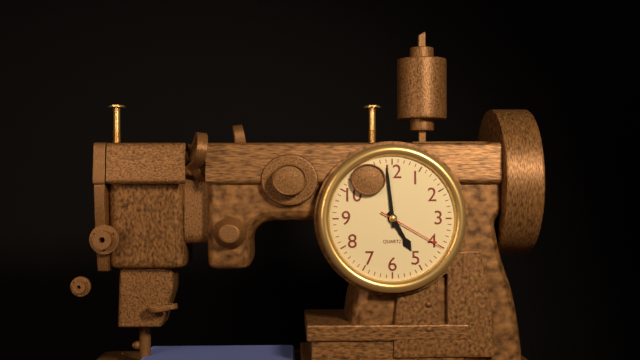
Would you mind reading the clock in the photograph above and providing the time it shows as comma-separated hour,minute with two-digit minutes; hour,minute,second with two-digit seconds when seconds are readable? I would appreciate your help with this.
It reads 4,59,20
